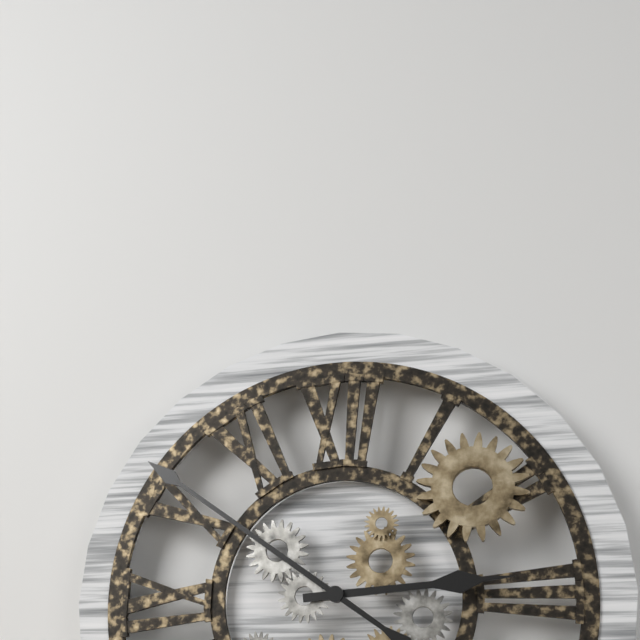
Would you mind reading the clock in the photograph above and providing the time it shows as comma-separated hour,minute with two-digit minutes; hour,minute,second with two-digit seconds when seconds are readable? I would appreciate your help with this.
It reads 2,51
